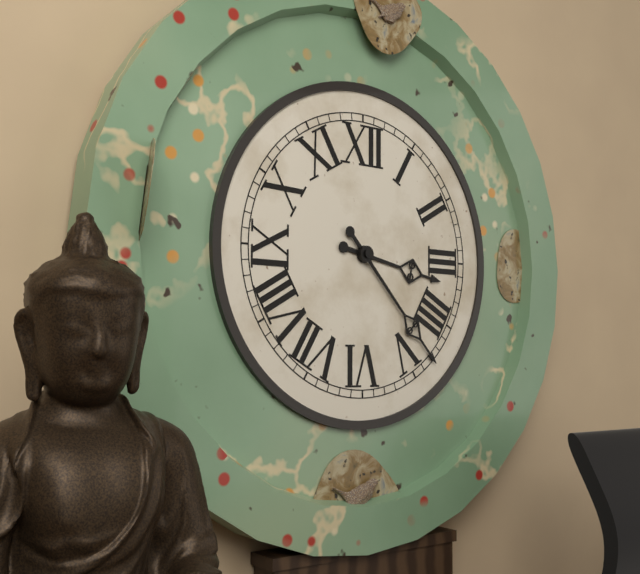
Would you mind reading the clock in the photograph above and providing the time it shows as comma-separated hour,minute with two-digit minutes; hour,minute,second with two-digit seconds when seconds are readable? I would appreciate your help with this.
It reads 3,23
